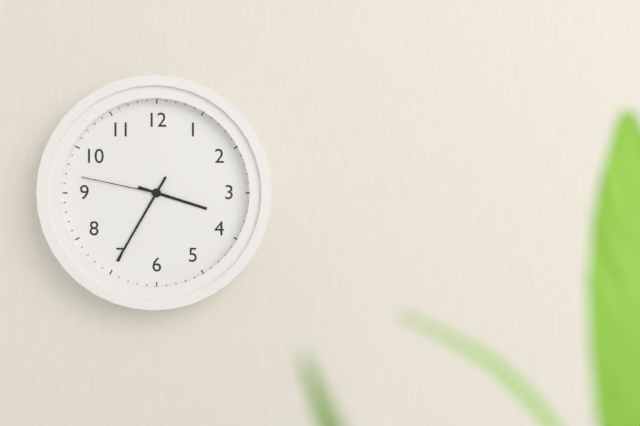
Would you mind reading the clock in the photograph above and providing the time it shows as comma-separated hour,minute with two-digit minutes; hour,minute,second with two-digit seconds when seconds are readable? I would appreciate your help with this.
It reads 3,35,47
